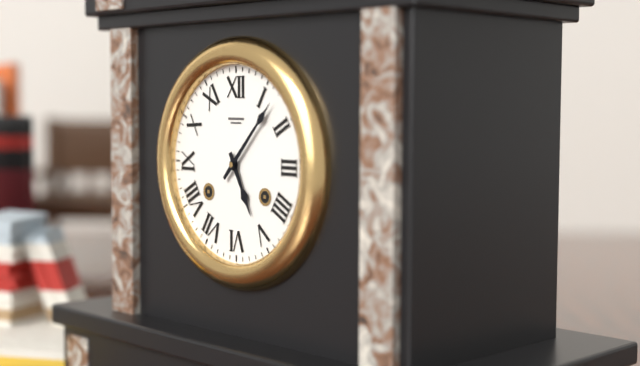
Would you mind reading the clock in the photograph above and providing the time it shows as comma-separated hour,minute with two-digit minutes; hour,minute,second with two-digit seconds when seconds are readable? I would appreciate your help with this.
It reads 5,07
